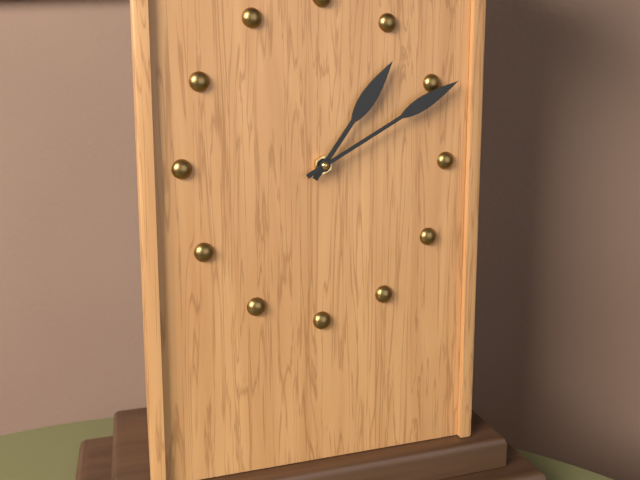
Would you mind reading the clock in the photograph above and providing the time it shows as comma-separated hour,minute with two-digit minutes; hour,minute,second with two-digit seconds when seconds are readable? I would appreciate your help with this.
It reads 1,10
